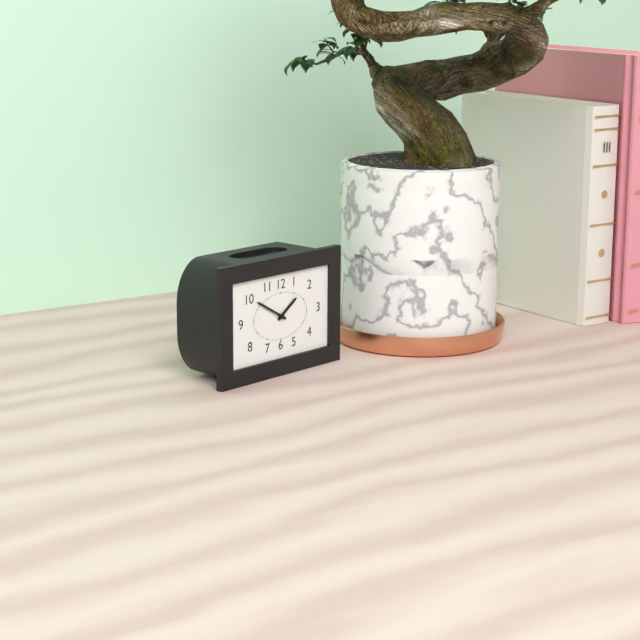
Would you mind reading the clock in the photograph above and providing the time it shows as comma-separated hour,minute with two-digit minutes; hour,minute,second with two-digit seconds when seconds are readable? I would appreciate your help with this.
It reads 1,50
